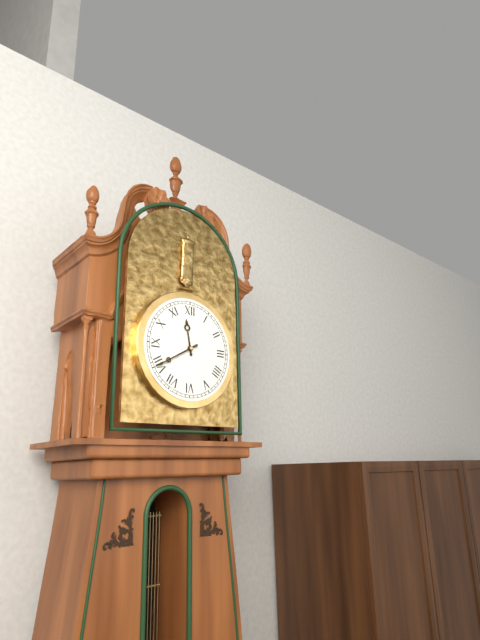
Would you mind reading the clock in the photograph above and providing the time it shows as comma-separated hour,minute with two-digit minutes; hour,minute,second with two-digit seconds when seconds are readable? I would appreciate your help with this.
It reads 11,40
